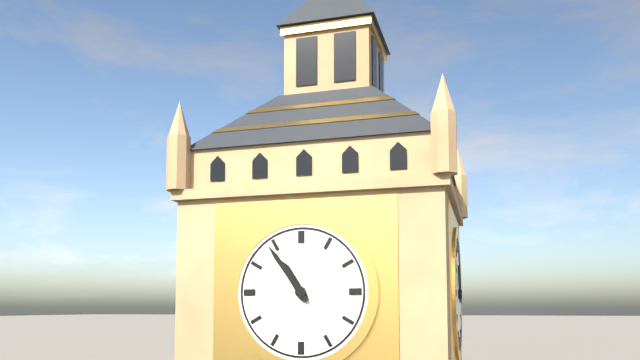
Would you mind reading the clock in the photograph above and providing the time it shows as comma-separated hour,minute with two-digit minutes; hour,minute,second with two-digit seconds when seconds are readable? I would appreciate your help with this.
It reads 10,54
